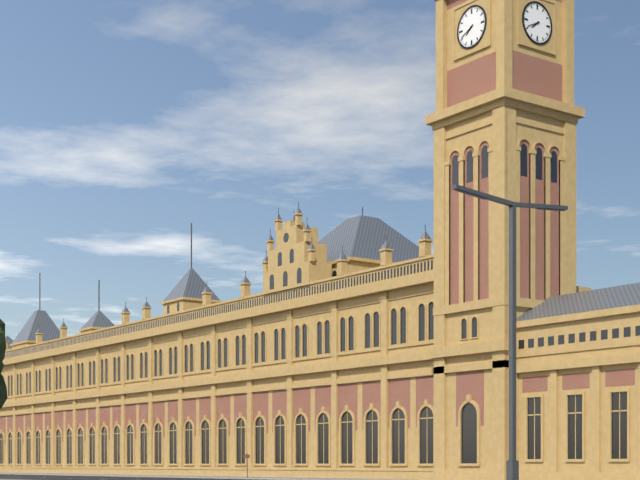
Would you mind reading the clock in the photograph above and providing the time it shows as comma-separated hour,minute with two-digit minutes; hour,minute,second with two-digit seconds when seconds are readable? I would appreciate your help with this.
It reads 7,41
